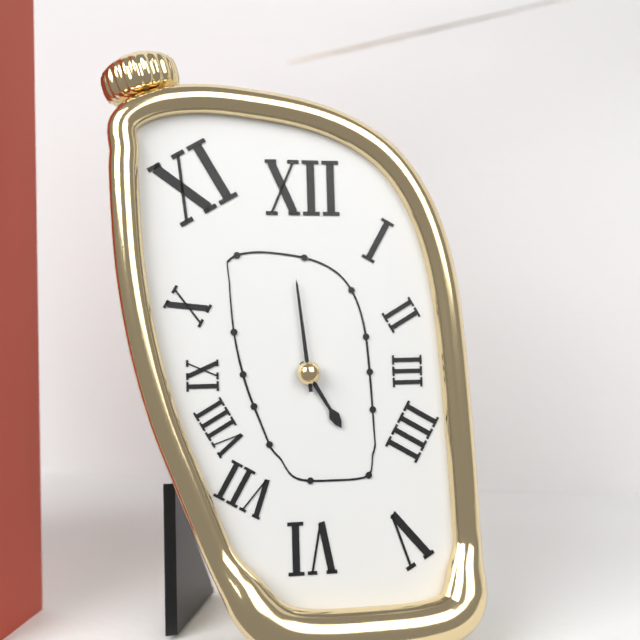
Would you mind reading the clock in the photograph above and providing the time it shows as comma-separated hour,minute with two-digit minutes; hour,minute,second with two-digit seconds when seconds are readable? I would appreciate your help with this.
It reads 4,59
